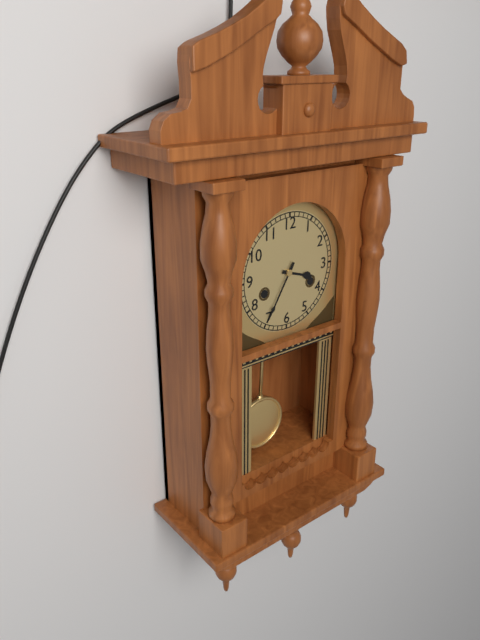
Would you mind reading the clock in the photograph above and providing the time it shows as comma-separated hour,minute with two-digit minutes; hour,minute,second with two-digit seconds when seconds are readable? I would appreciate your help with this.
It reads 3,35
